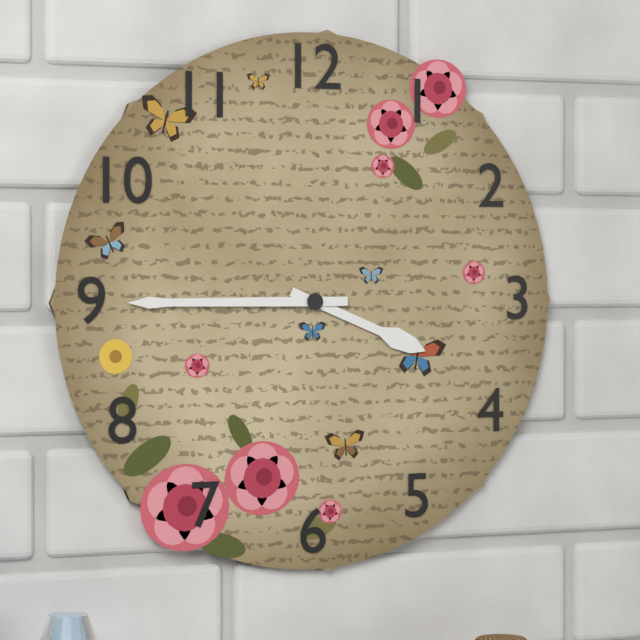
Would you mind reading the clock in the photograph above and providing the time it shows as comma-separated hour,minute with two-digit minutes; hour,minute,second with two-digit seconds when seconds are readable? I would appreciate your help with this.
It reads 3,45
